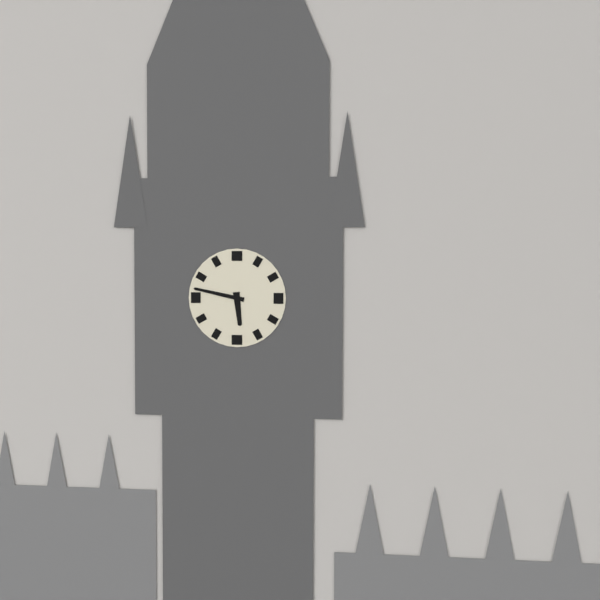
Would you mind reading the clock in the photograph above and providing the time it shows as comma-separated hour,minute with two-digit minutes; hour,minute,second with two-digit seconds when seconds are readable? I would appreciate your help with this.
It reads 5,47
